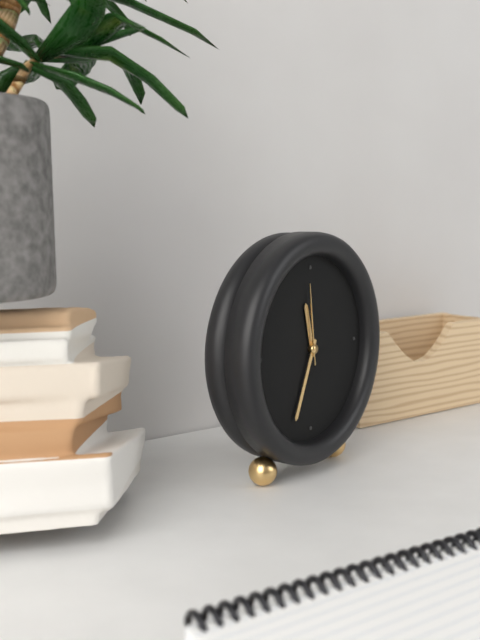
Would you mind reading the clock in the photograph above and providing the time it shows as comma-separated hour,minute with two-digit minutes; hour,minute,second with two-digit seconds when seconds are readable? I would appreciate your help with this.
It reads 11,34,59
